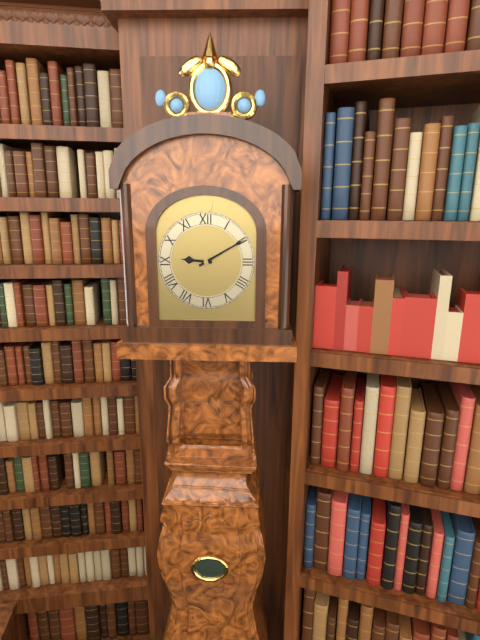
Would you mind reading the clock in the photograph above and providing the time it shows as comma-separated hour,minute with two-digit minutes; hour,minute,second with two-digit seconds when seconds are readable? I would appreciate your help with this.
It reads 9,10
